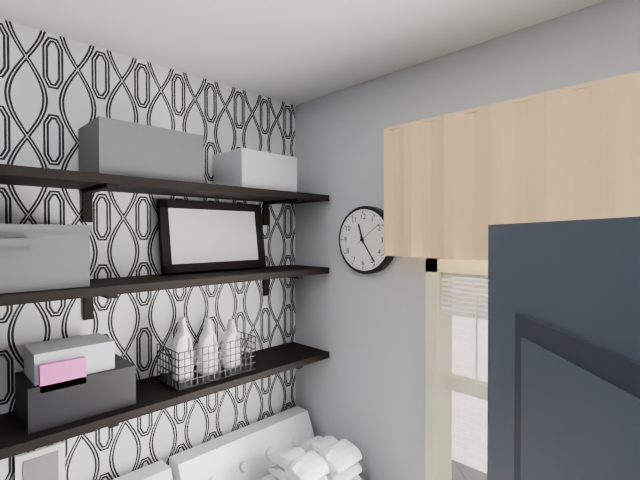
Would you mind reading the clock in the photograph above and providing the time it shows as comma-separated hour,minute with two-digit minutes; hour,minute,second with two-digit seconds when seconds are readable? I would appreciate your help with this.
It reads 11,24
